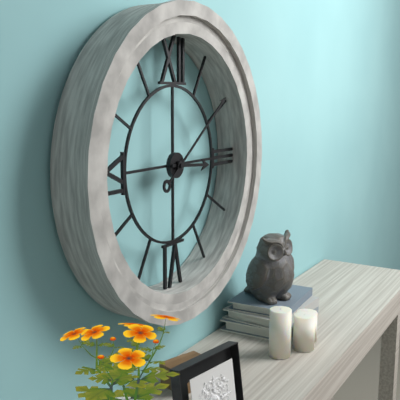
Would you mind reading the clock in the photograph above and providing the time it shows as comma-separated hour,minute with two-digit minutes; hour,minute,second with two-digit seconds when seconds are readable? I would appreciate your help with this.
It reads 3,09
